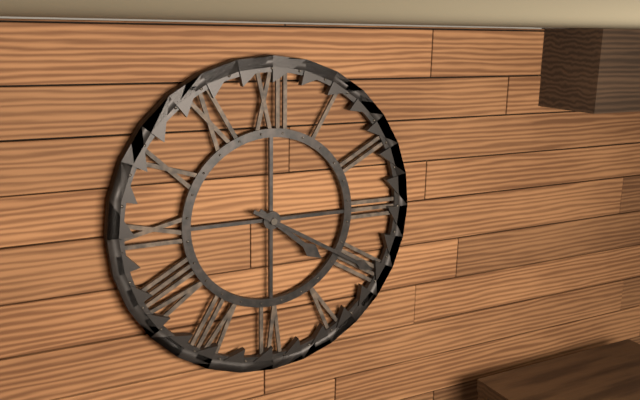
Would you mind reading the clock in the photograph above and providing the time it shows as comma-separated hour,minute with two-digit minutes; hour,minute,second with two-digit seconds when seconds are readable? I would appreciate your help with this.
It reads 4,20
